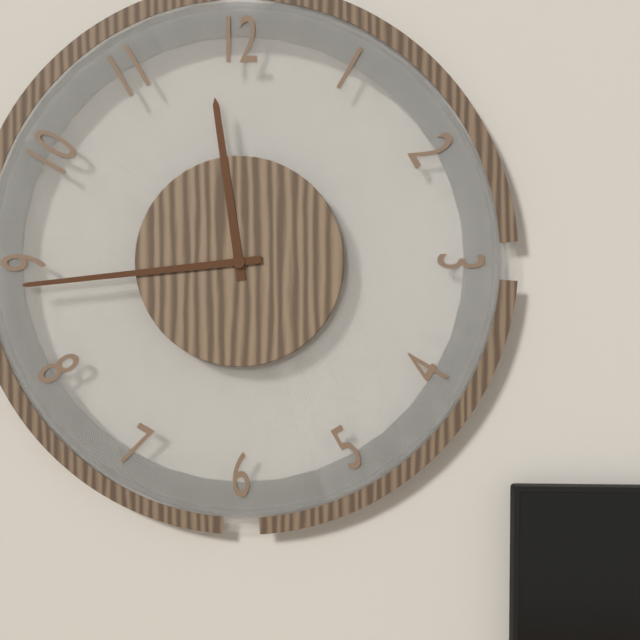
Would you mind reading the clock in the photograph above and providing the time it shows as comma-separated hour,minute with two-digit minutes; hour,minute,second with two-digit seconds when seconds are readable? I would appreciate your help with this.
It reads 11,44
